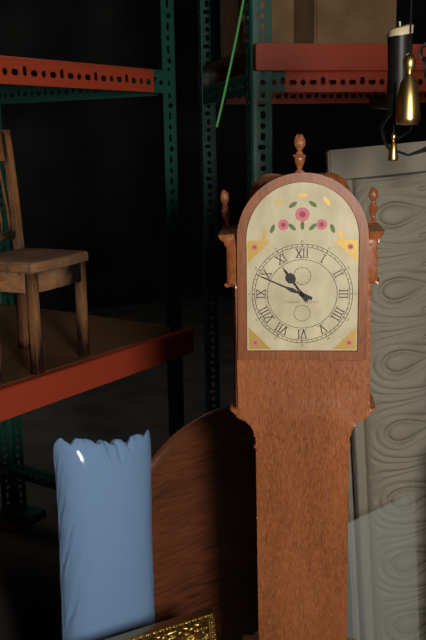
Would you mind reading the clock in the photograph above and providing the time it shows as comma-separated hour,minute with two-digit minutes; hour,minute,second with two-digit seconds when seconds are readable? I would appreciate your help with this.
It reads 10,49
